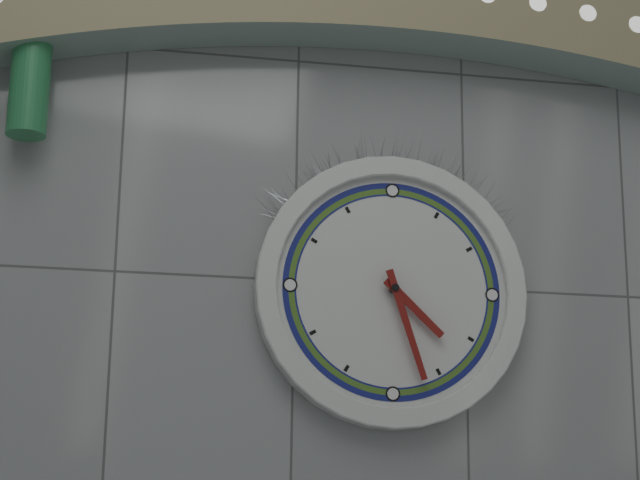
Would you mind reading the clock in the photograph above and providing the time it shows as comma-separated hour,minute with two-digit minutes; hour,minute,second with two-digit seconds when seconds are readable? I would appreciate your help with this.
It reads 4,27
